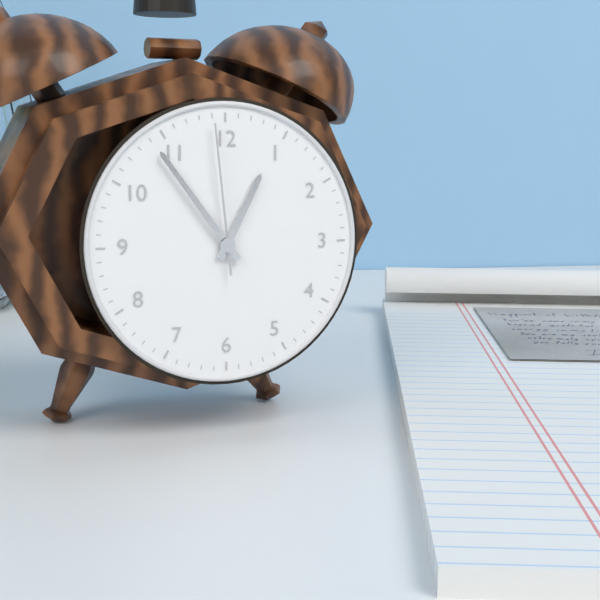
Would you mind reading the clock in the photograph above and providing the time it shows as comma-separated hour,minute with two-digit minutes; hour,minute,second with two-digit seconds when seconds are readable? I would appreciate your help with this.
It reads 12,54,59
